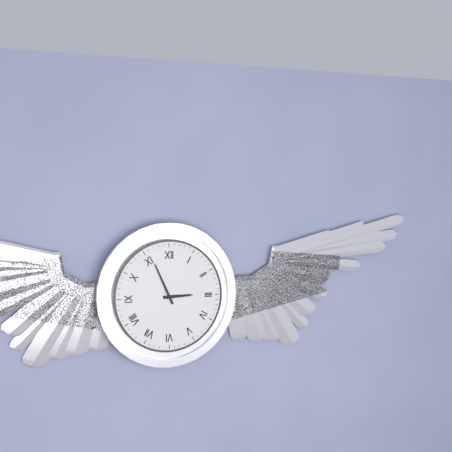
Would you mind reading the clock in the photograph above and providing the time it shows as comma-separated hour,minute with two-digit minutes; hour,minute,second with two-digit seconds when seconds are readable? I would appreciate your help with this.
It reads 2,56
